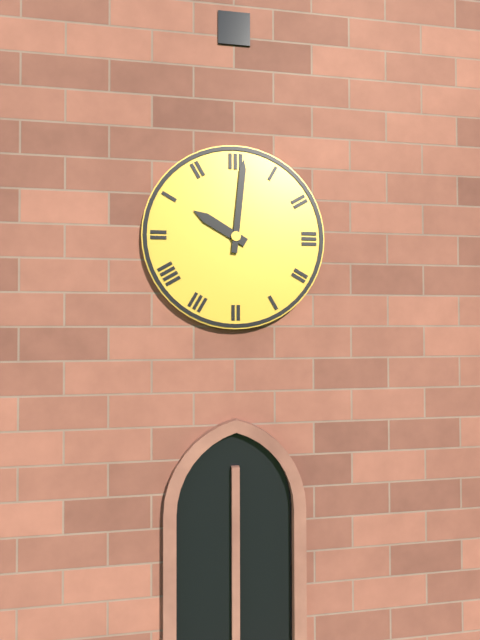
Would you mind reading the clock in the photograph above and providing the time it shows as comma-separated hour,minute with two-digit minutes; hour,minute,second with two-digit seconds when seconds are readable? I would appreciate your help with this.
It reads 10,01
